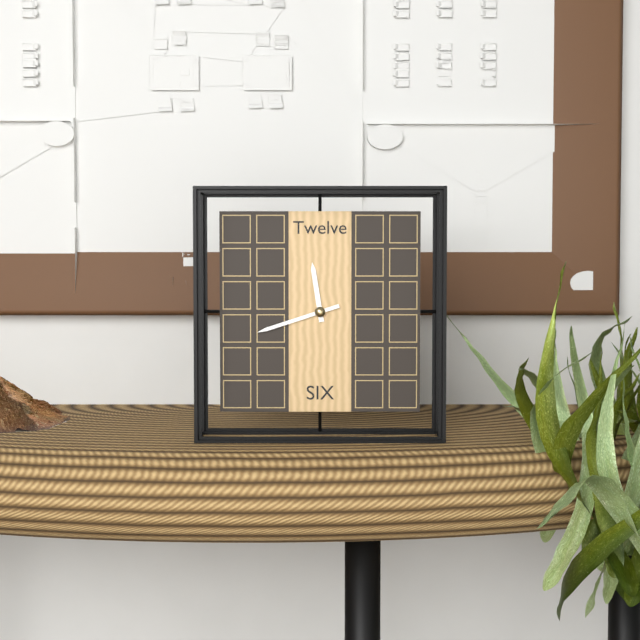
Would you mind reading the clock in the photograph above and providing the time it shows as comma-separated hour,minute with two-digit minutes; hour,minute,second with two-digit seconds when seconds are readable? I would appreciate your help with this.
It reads 11,42
